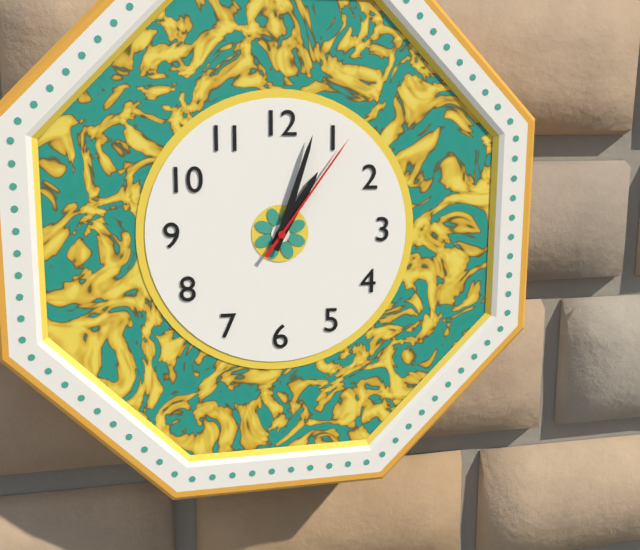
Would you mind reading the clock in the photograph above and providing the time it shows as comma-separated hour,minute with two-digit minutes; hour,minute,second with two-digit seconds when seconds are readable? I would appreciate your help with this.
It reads 1,03,06
